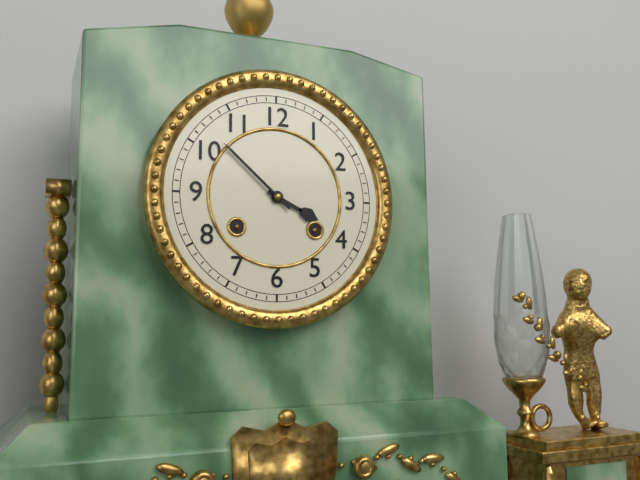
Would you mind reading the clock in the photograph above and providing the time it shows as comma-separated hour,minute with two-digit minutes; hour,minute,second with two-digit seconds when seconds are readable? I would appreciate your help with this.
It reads 3,52
